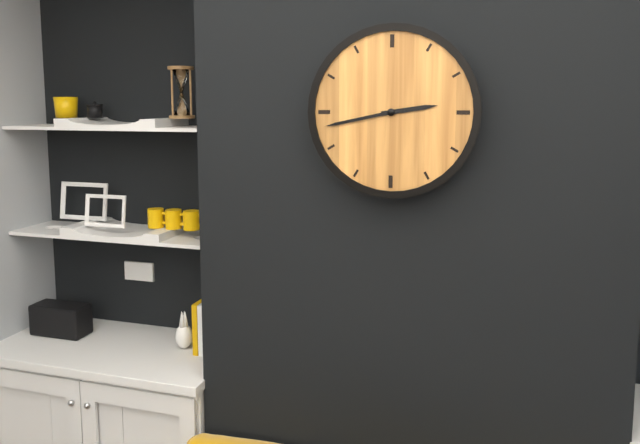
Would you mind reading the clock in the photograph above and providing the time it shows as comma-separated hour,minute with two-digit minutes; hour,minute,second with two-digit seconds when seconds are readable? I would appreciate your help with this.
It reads 2,43
